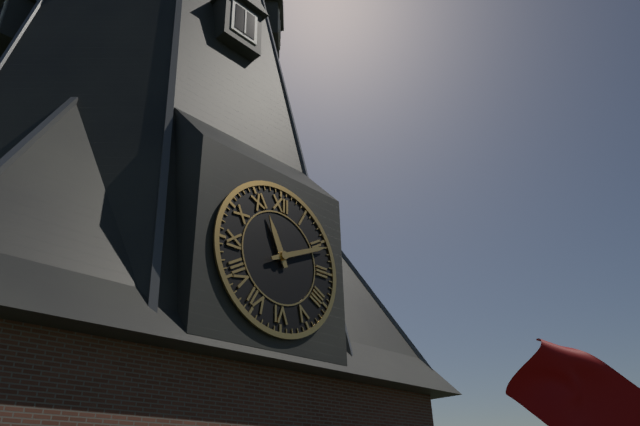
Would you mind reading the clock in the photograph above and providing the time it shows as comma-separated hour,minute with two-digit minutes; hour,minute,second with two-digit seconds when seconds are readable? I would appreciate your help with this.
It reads 11,11
